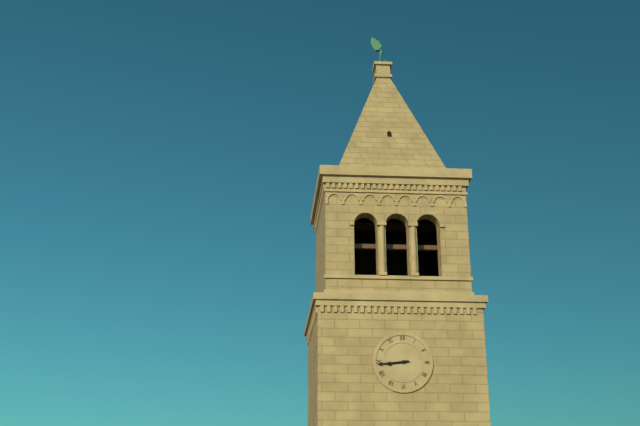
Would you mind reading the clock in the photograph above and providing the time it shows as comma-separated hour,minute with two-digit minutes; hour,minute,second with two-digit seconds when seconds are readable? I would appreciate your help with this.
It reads 8,44
